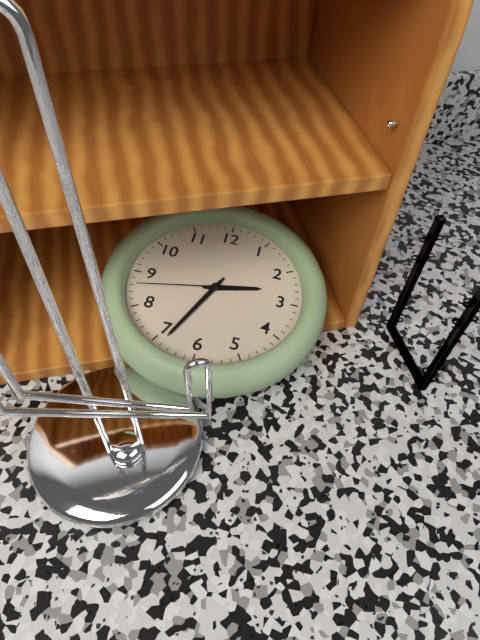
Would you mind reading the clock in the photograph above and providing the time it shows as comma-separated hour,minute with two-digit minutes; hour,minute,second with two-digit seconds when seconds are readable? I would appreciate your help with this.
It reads 2,34,43
